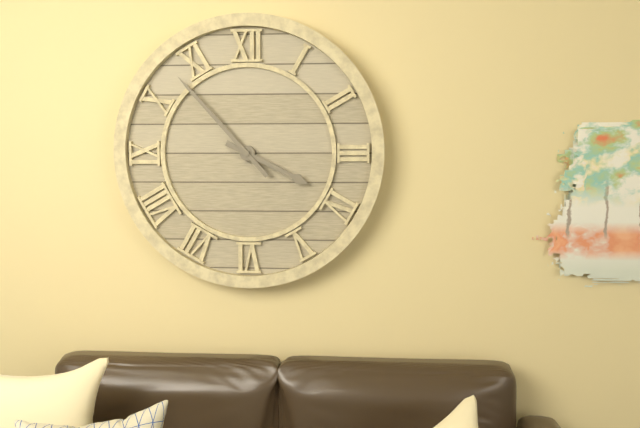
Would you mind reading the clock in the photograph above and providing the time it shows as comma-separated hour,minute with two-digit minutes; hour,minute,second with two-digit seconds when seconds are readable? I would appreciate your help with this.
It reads 3,53
